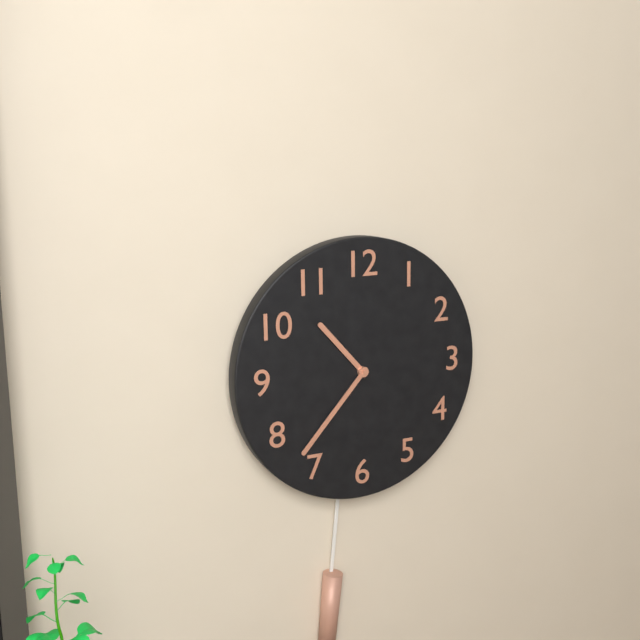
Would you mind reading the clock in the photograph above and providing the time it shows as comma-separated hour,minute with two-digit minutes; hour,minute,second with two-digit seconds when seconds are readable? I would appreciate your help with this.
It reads 10,37
